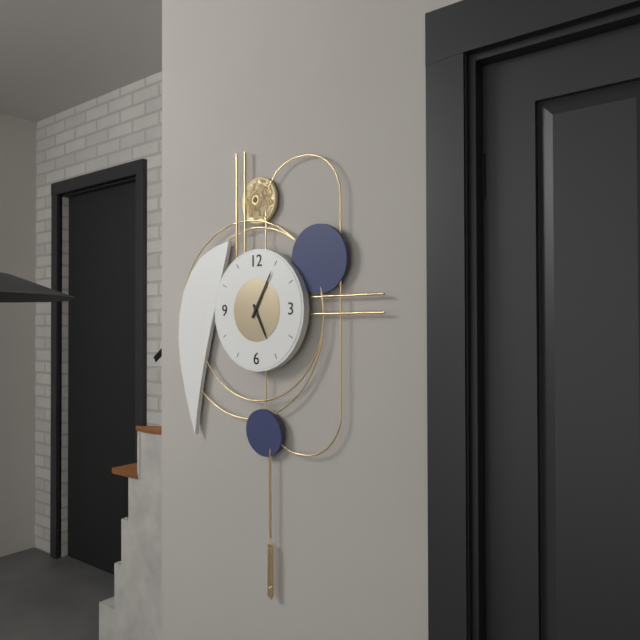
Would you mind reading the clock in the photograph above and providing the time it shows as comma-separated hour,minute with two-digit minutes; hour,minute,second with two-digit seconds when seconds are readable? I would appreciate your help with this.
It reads 5,05
